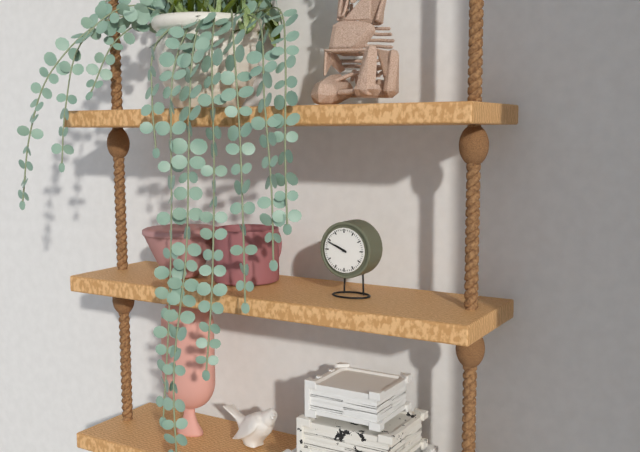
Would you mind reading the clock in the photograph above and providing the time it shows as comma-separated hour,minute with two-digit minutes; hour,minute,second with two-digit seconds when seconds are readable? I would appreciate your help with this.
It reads 9,49
